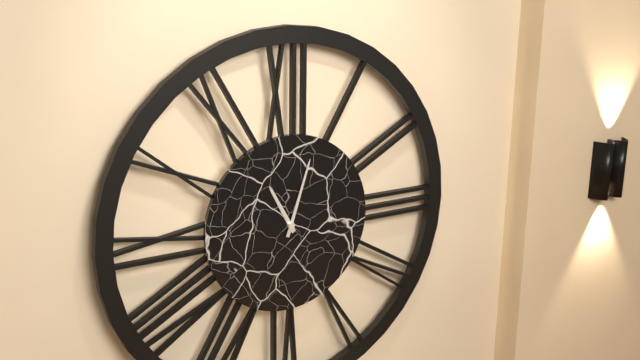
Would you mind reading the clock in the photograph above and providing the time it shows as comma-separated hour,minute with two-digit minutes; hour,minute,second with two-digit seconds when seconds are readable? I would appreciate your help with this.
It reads 11,03
